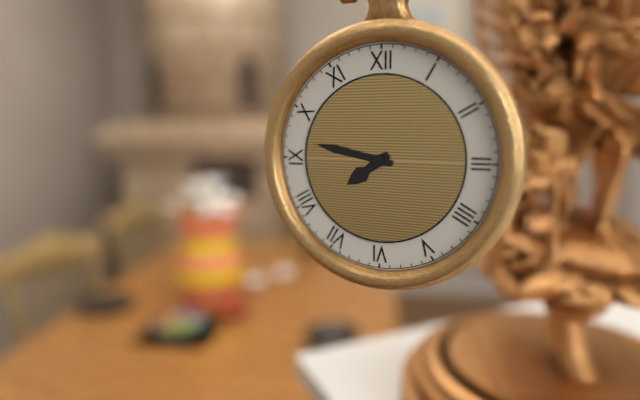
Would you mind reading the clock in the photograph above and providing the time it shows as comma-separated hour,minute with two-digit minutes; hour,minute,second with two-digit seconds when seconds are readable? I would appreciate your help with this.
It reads 7,47
